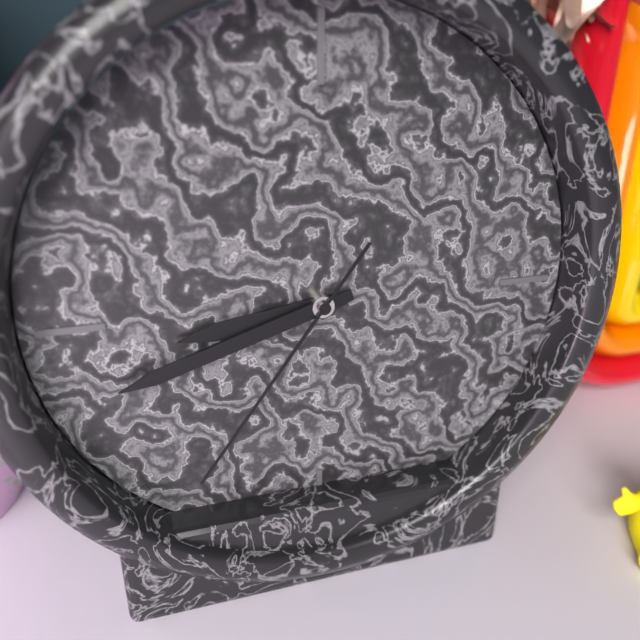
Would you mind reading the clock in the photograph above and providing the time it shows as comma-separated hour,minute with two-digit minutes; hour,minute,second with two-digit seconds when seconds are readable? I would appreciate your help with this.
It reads 8,42,36
